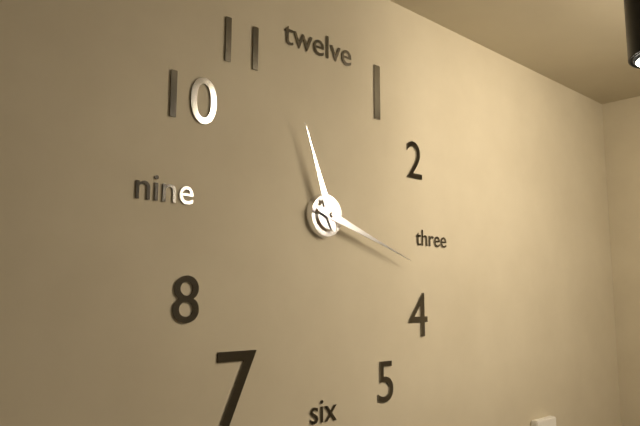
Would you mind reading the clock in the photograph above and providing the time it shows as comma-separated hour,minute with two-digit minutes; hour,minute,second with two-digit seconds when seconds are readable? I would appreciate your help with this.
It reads 11,18
